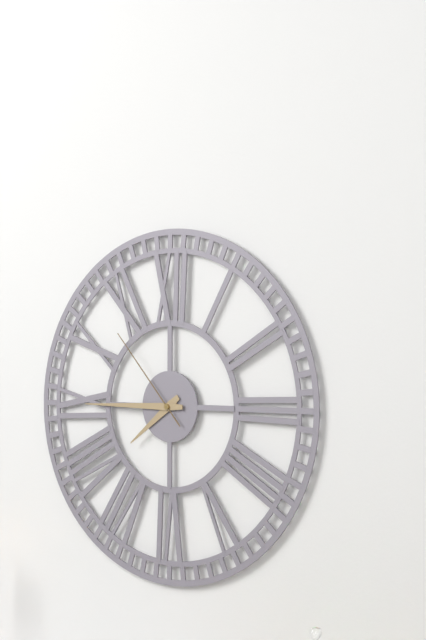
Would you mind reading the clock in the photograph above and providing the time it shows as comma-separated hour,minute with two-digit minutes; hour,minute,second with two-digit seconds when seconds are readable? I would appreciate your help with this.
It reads 7,45,53
